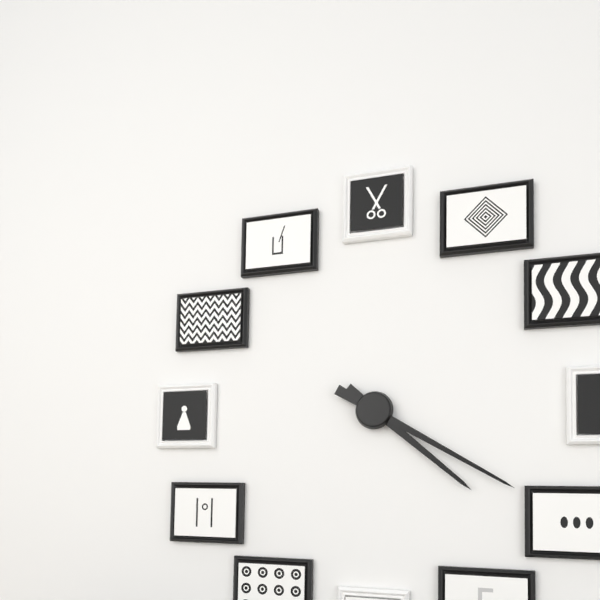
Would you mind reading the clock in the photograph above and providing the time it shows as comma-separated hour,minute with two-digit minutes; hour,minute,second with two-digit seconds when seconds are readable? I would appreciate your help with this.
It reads 4,20
